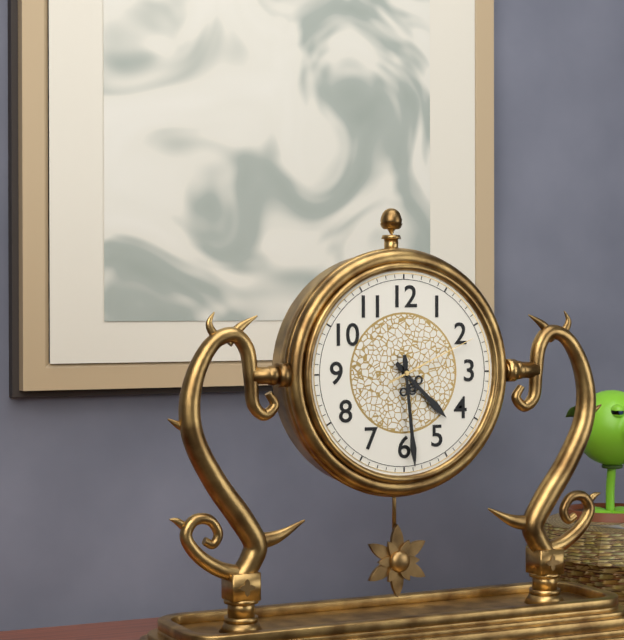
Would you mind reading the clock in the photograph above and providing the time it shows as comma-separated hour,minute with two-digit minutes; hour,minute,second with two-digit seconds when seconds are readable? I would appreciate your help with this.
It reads 4,29,11
